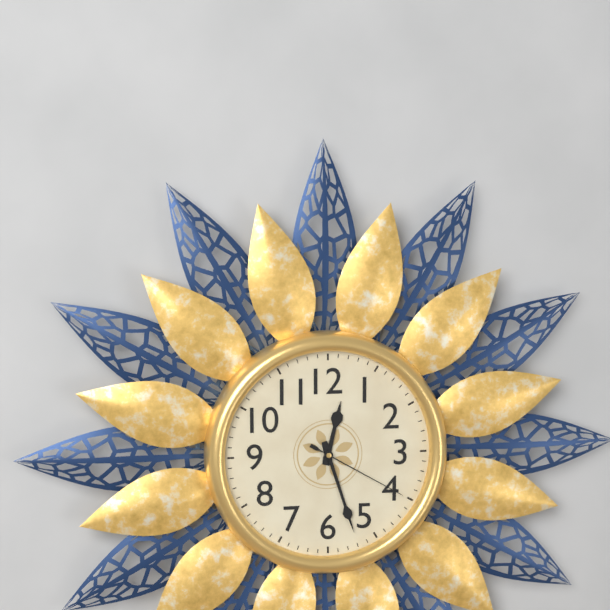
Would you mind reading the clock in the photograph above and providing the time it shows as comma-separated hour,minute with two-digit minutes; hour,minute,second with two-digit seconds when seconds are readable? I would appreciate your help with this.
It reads 12,27,20
